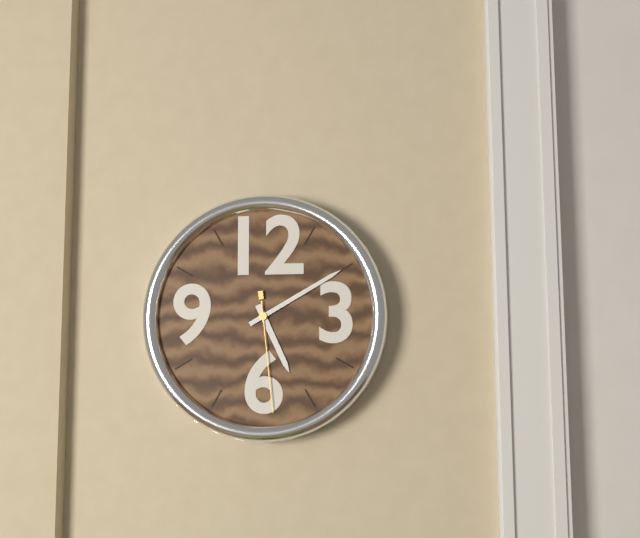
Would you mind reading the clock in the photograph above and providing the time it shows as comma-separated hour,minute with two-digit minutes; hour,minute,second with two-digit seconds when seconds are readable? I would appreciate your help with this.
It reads 5,10,29
